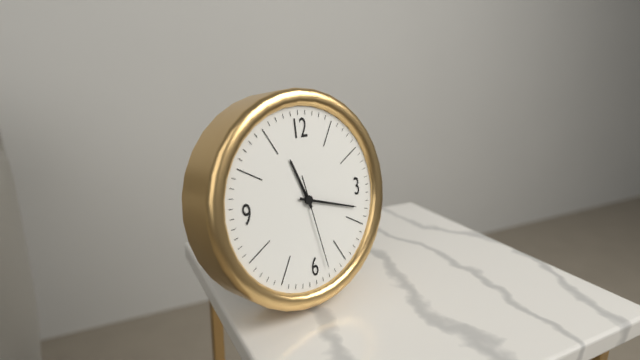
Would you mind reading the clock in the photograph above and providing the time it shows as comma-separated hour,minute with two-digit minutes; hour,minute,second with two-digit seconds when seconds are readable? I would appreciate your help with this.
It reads 11,18,28
